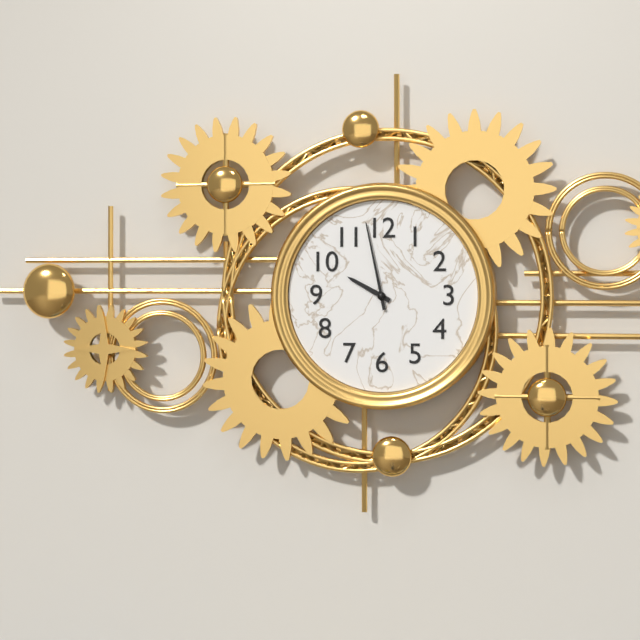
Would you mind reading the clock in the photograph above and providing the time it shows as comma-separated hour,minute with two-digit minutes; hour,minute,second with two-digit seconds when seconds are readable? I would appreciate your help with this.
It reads 9,58
